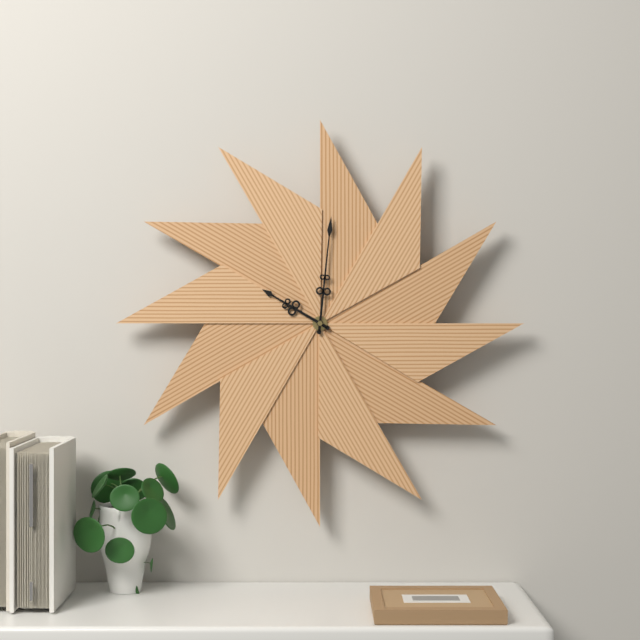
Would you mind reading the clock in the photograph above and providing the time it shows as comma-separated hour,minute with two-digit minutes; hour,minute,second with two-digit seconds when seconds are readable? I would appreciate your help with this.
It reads 10,01
